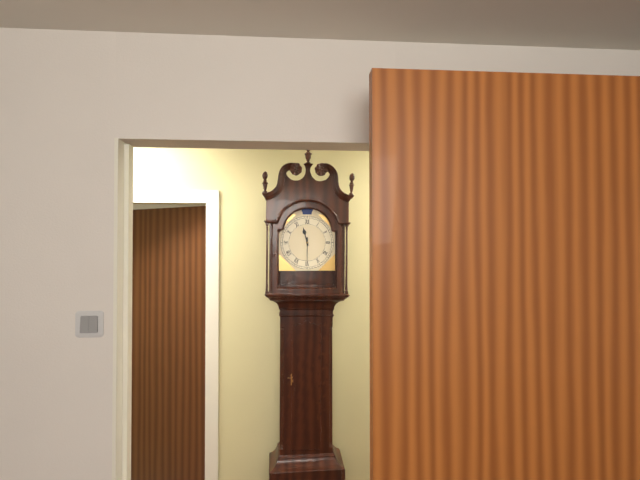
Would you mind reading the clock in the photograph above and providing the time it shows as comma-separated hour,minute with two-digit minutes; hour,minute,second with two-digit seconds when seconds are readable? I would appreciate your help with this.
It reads 11,30
